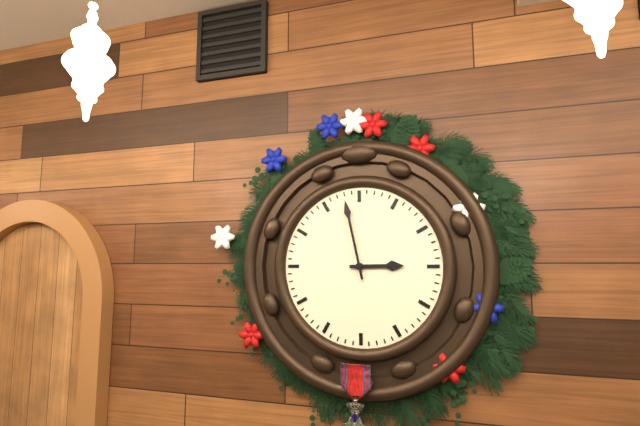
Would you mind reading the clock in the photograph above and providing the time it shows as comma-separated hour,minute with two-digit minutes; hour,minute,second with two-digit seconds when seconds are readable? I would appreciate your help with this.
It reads 2,58
